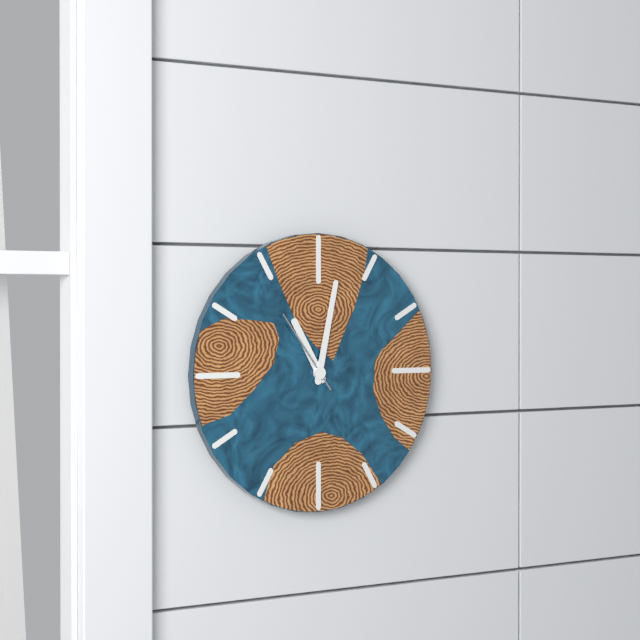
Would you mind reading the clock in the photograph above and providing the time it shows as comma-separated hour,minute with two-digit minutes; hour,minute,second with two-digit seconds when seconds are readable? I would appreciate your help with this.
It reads 11,02,54
